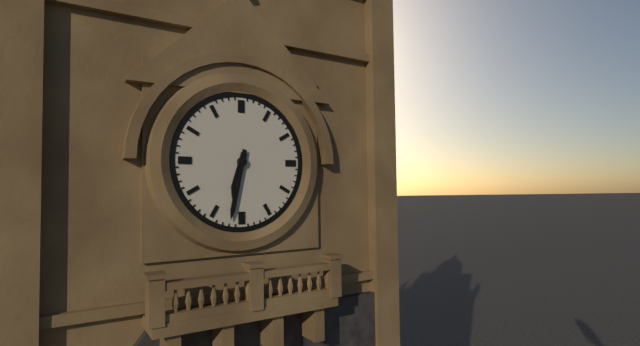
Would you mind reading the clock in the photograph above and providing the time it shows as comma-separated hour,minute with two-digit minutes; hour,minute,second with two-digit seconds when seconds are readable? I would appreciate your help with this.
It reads 6,32
